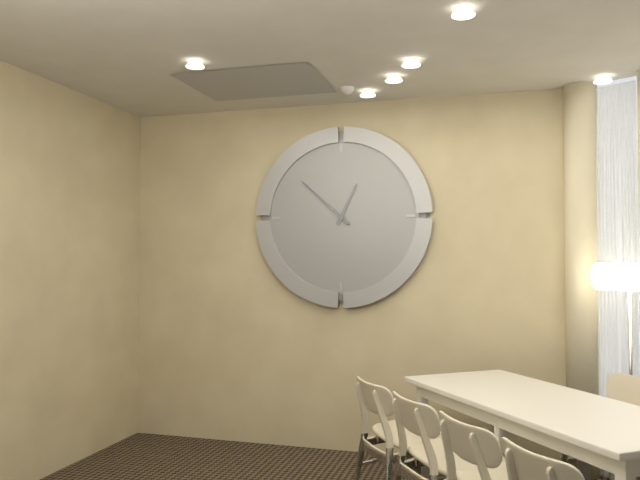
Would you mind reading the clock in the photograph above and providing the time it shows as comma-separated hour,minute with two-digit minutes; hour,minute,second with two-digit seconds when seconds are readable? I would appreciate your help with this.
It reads 12,52
